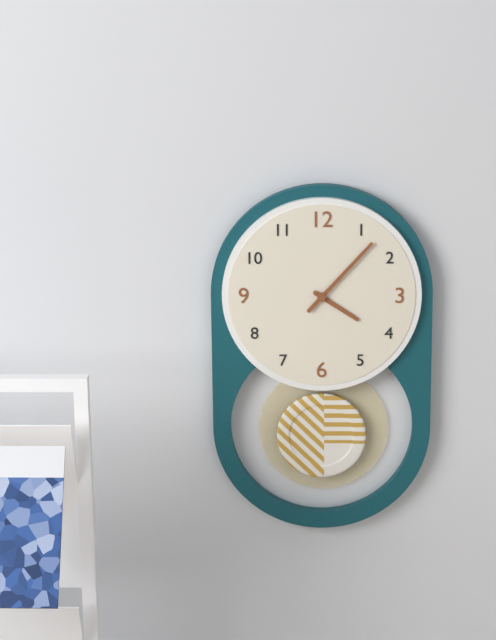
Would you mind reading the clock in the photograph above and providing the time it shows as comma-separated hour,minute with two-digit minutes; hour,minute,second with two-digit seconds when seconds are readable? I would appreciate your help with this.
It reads 4,07
